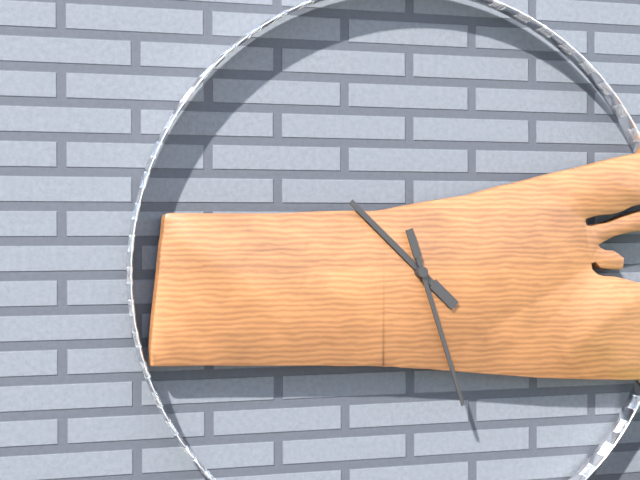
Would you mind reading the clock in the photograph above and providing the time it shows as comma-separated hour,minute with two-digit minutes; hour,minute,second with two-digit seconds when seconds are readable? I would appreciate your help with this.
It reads 10,27
